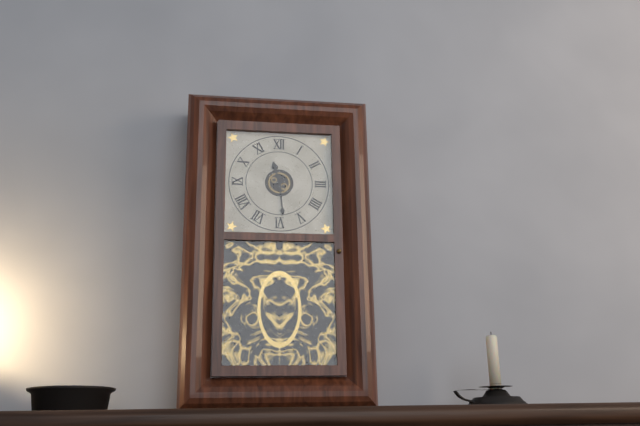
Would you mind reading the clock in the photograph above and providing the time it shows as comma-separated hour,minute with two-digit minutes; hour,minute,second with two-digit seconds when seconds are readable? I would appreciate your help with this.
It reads 11,29
